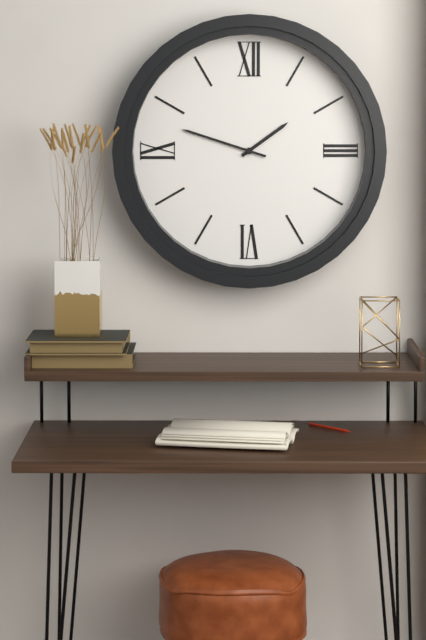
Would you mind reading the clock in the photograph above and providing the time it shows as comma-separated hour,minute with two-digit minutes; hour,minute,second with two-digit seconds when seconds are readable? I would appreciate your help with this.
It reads 1,48
